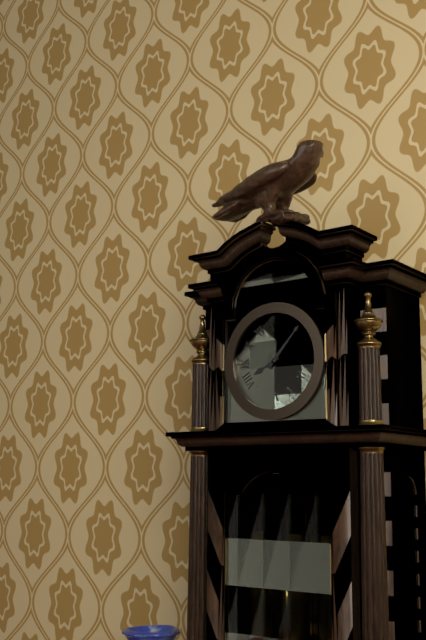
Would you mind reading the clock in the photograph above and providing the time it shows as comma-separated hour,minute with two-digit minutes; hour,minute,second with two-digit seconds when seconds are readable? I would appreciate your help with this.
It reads 8,07
